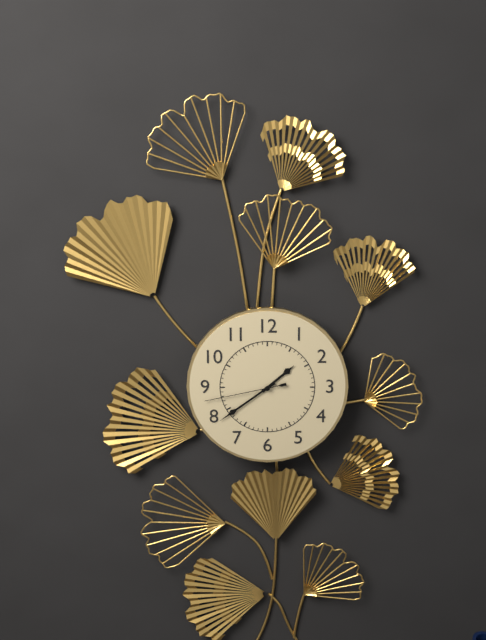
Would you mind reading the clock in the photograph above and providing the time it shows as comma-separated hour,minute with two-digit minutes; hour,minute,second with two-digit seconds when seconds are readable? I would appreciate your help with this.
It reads 1,39,43
